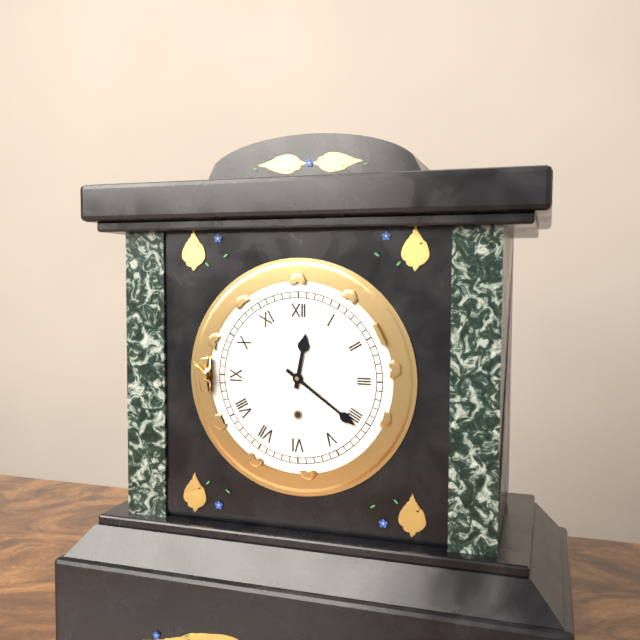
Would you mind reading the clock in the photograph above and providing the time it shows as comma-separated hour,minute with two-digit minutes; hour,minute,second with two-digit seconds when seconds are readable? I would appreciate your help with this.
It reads 12,21
